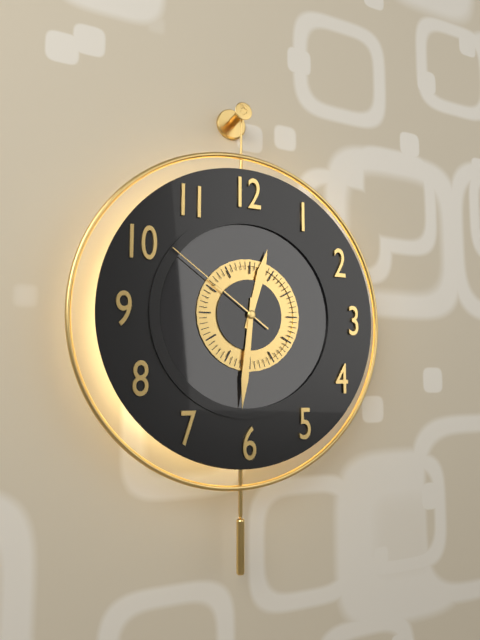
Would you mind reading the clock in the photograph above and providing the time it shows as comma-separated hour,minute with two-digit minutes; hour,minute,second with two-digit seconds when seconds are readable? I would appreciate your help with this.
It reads 12,31,51
